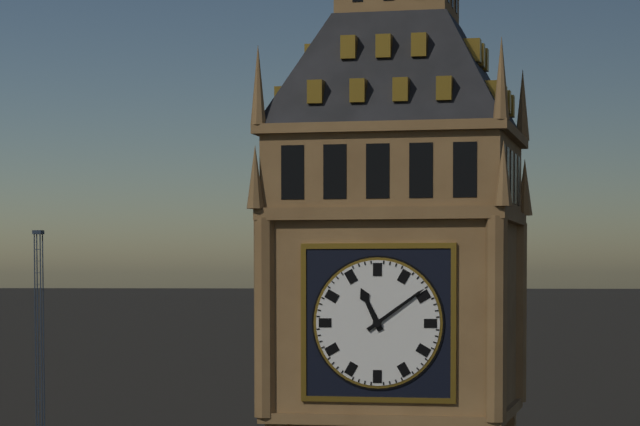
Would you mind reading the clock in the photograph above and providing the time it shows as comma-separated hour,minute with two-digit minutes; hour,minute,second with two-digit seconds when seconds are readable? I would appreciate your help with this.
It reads 11,09
